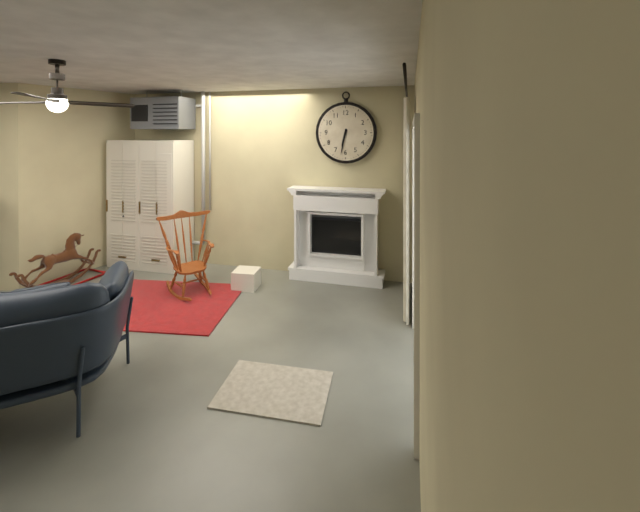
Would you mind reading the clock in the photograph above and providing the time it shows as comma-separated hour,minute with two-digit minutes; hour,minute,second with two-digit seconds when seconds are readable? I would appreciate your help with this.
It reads 6,32
